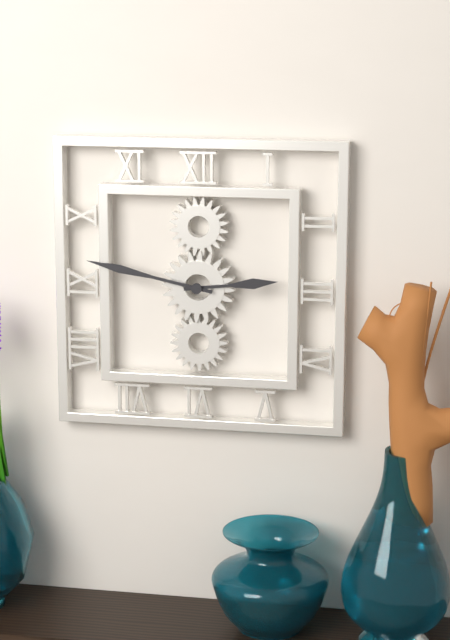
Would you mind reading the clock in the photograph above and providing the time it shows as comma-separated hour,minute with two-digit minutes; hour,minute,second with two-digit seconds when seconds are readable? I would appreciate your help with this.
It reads 2,47
